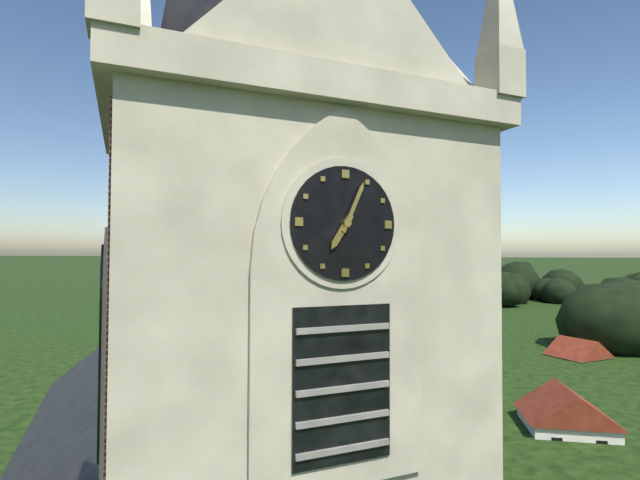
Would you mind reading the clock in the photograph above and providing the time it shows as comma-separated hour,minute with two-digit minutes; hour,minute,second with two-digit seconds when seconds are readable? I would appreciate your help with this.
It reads 7,04
